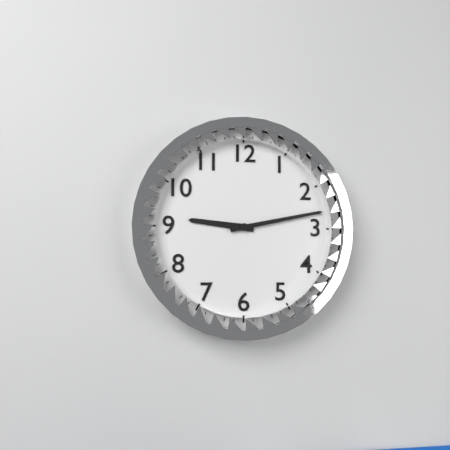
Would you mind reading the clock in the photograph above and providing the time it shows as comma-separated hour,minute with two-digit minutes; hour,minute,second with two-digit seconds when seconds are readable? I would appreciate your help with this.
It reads 9,13
